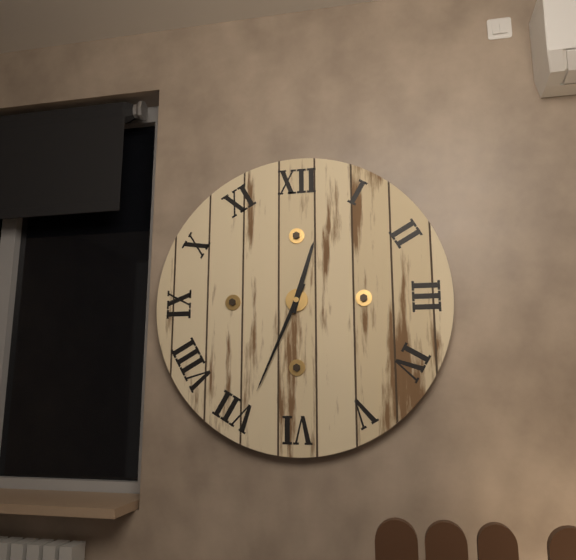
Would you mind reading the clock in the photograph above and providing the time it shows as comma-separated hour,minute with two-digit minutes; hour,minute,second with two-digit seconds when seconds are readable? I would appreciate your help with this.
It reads 12,34
